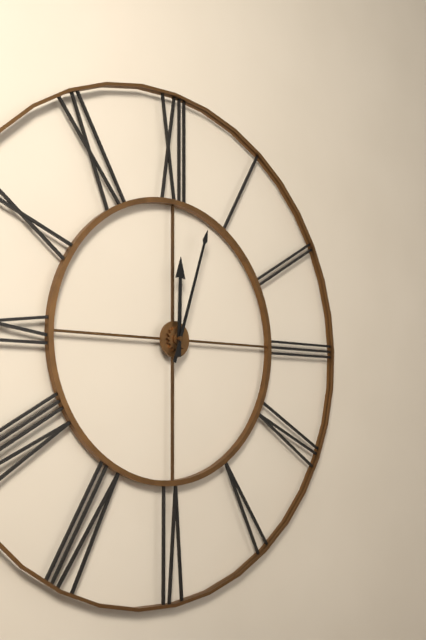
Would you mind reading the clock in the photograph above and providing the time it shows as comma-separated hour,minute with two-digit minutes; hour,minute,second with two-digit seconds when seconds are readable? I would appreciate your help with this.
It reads 12,03
